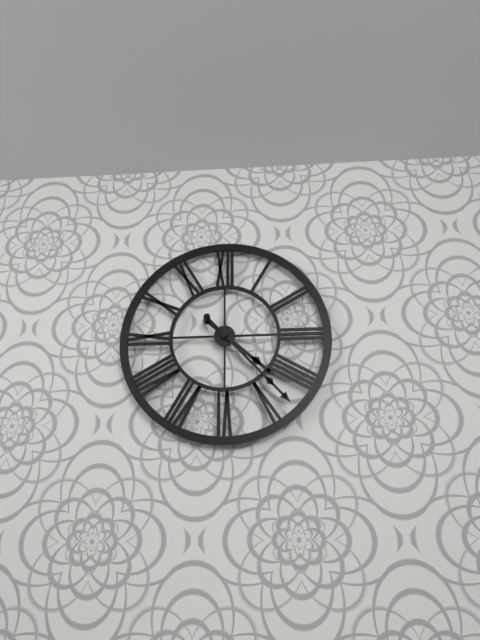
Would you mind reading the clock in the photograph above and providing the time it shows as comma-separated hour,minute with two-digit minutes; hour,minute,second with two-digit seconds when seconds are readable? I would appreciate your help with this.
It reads 4,23
